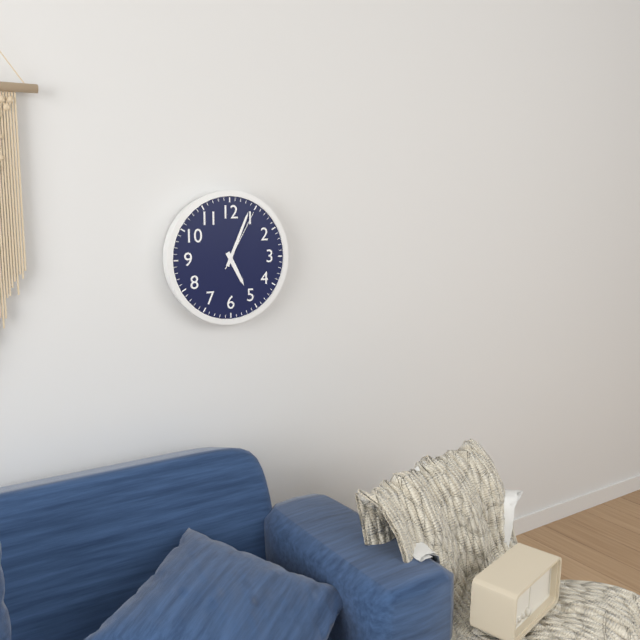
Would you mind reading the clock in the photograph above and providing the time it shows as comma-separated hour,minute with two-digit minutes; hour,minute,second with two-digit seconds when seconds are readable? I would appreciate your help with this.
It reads 5,04,05
